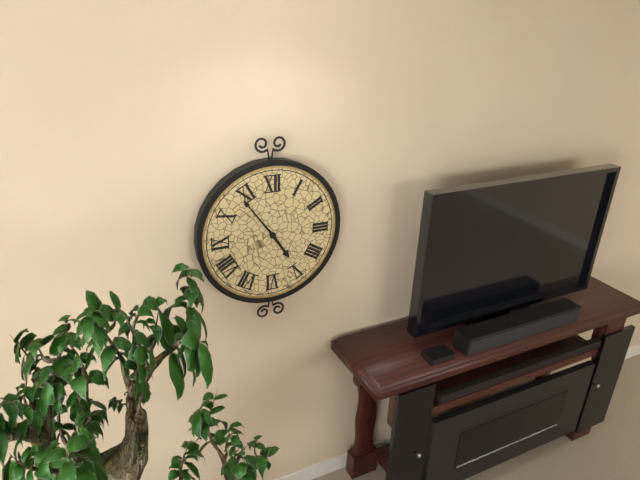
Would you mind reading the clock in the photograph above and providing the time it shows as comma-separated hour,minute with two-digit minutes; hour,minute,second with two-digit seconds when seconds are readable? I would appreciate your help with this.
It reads 4,54
